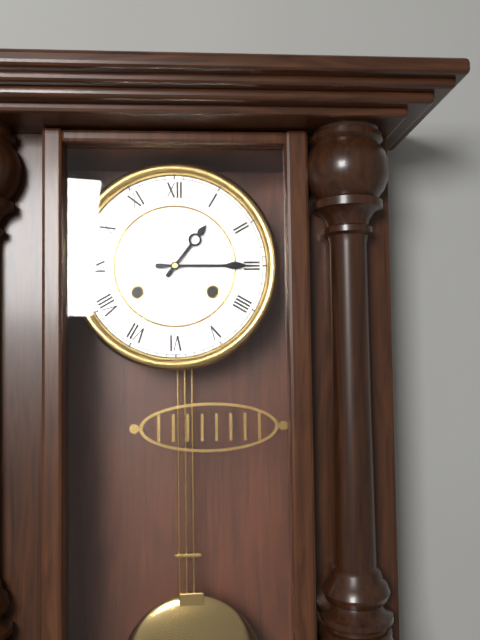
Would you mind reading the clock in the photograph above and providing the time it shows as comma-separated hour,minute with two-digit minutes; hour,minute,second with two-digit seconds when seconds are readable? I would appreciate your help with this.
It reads 1,15
